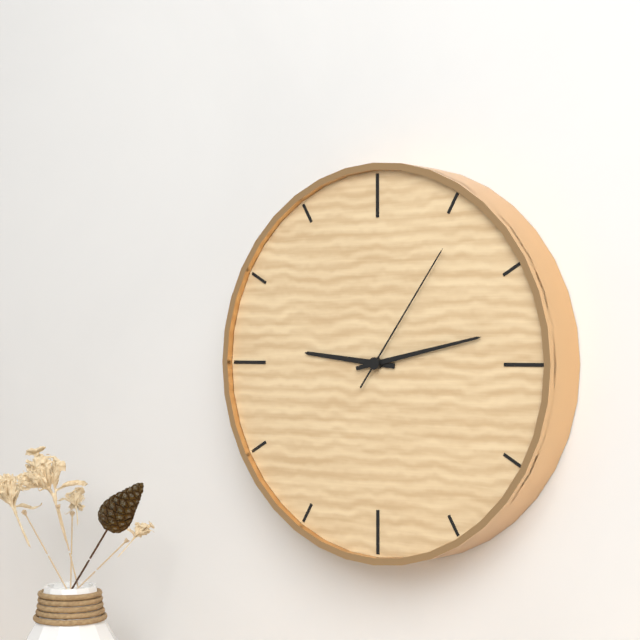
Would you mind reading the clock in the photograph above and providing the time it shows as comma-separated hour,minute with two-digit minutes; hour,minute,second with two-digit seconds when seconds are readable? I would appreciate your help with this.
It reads 9,13,06
